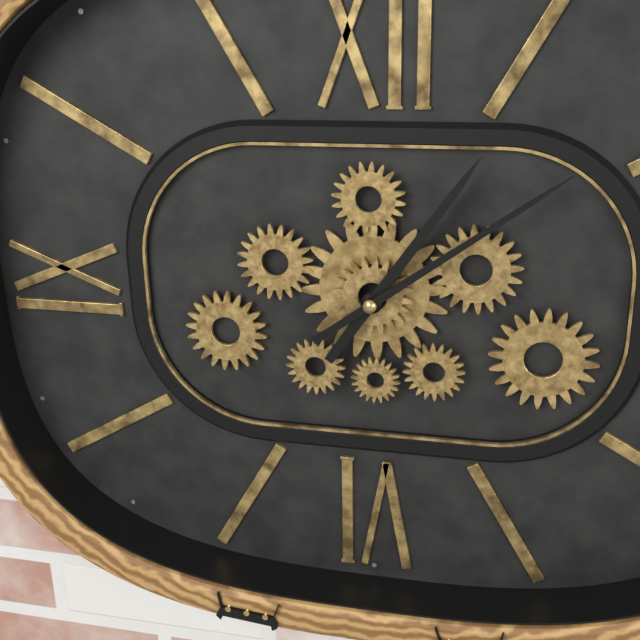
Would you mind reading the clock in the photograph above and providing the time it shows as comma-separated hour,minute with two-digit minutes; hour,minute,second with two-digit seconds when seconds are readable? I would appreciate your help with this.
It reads 1,09
